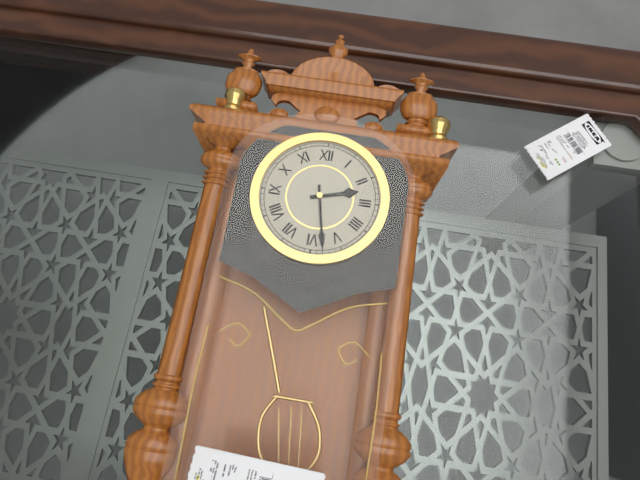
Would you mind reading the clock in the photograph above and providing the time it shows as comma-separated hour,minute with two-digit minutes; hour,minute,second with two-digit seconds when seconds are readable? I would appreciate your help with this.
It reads 2,28
